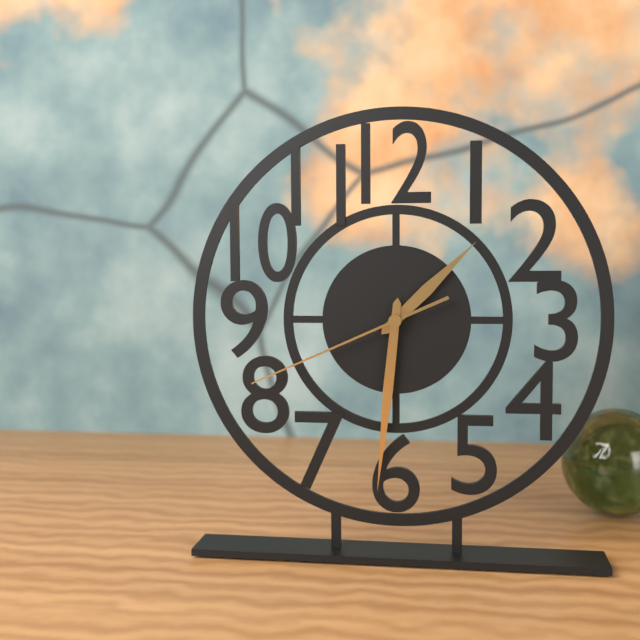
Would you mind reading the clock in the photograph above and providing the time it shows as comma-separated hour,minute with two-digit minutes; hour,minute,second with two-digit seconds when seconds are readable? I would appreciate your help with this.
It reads 1,31,41
